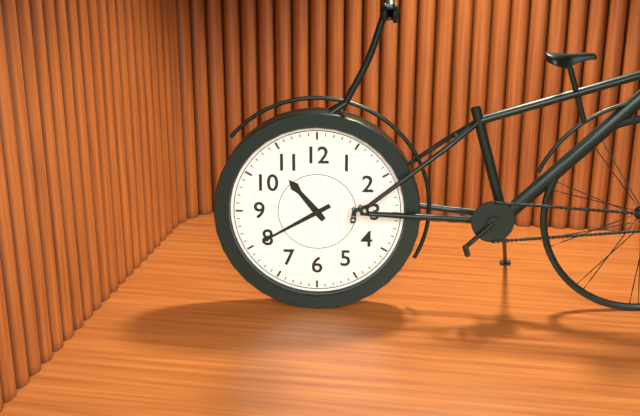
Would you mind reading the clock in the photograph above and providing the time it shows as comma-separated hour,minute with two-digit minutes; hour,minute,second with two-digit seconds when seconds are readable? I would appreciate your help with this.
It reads 10,40
